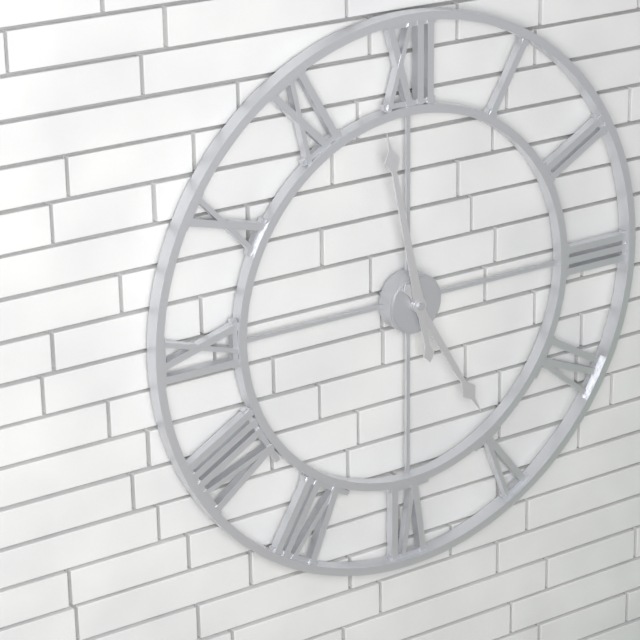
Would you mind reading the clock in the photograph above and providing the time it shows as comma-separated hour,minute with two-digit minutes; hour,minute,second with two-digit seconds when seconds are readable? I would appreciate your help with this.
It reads 4,58
